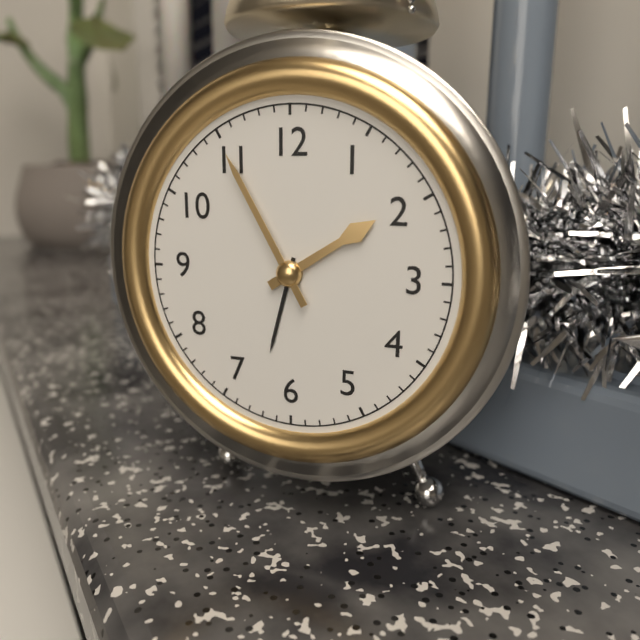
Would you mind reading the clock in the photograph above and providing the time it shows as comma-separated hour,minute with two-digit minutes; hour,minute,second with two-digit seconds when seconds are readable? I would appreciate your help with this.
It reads 1,55
